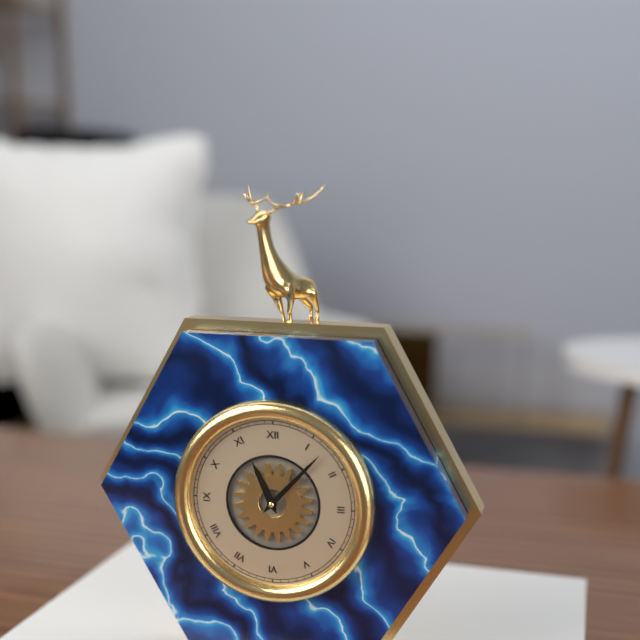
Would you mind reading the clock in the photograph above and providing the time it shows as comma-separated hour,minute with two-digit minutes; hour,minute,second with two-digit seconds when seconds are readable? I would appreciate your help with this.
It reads 11,07
